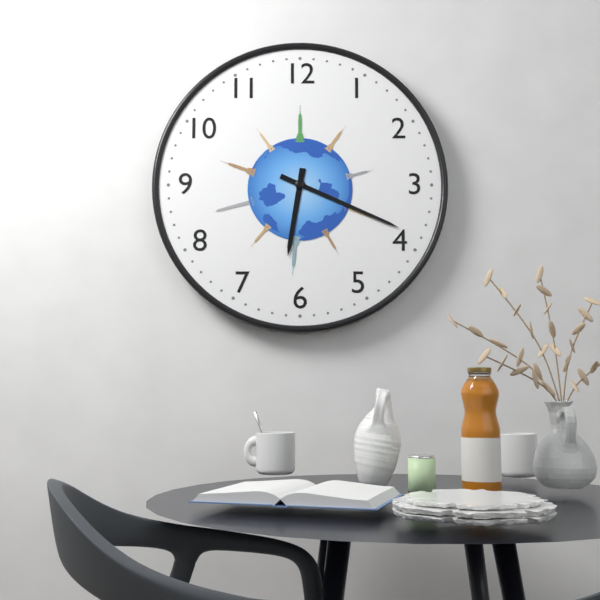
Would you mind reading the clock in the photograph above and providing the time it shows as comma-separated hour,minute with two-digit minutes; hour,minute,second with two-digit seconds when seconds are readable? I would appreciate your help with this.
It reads 6,19
